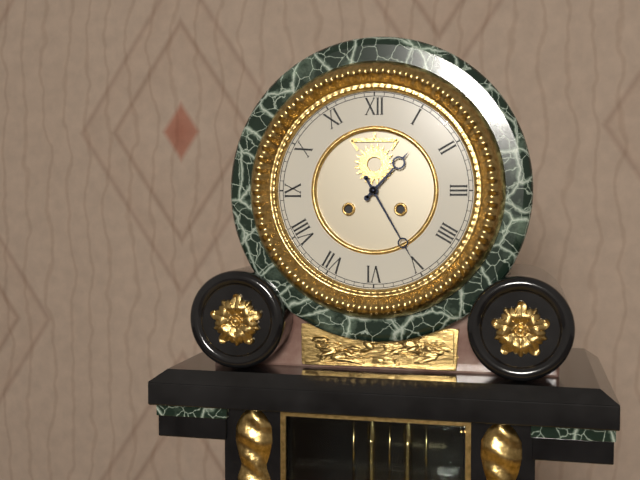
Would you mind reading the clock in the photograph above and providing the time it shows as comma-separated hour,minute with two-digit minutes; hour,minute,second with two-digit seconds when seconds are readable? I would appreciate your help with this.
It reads 1,25
